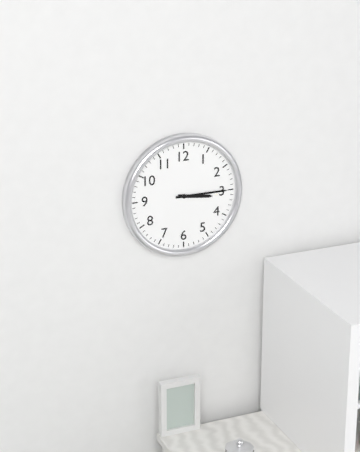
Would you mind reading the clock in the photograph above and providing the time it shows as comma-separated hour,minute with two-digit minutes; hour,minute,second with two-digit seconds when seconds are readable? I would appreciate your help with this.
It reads 3,15
